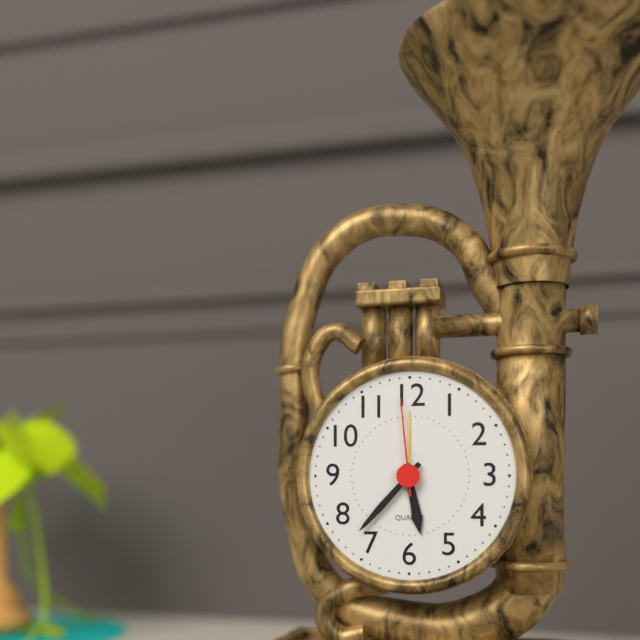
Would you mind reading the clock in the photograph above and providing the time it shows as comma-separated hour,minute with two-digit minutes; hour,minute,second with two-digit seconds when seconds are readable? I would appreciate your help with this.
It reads 5,37,59
